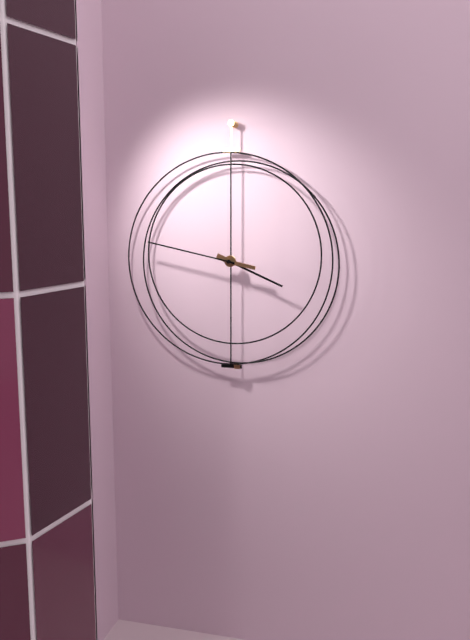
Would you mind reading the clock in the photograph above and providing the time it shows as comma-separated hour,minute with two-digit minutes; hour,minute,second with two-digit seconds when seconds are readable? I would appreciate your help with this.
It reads 3,47
